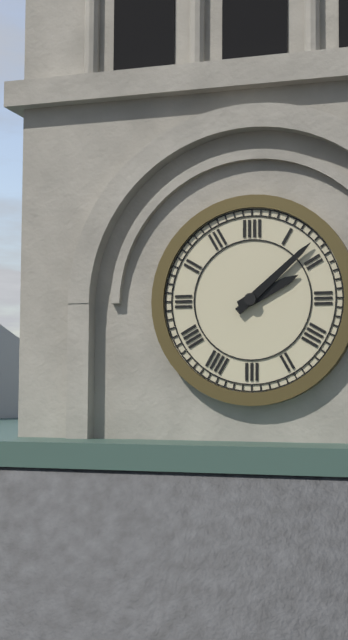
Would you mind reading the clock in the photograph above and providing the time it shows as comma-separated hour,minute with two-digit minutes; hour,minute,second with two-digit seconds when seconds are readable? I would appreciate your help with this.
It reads 2,08
